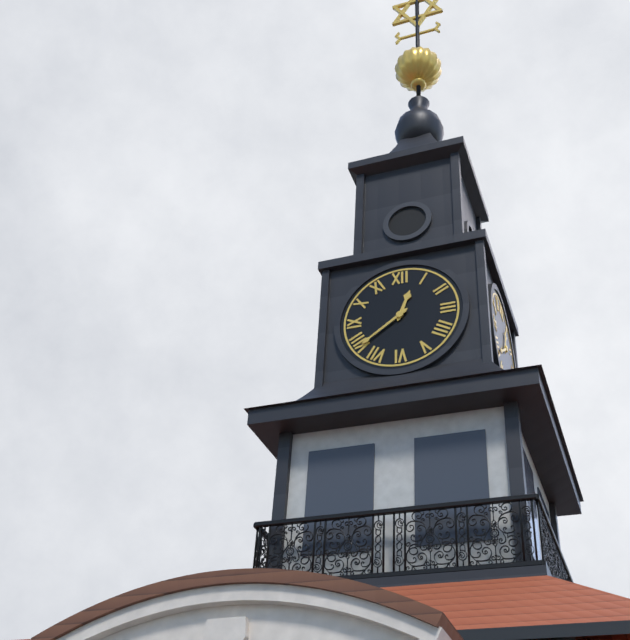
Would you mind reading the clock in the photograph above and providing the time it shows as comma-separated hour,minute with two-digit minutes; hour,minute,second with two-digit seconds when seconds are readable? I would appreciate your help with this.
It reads 12,39
